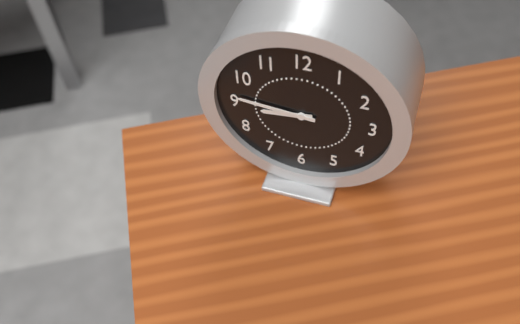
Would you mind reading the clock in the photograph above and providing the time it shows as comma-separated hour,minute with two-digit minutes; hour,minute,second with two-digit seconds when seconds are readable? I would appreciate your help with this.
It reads 8,46
